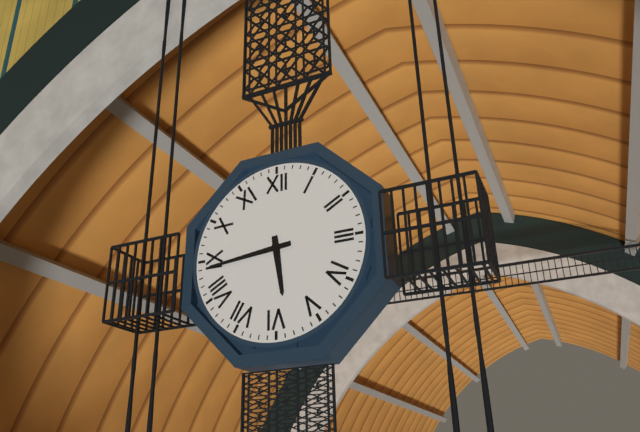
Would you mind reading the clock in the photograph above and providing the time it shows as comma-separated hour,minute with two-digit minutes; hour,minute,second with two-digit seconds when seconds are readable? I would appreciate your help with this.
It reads 5,44
